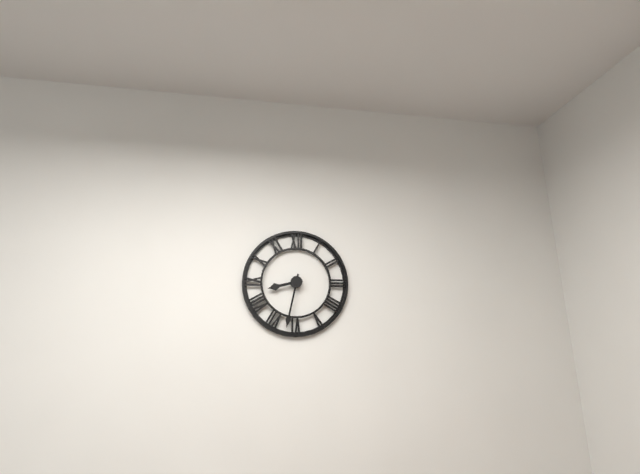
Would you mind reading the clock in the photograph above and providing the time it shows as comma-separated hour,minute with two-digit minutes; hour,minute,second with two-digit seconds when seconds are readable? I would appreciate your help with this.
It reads 8,32
